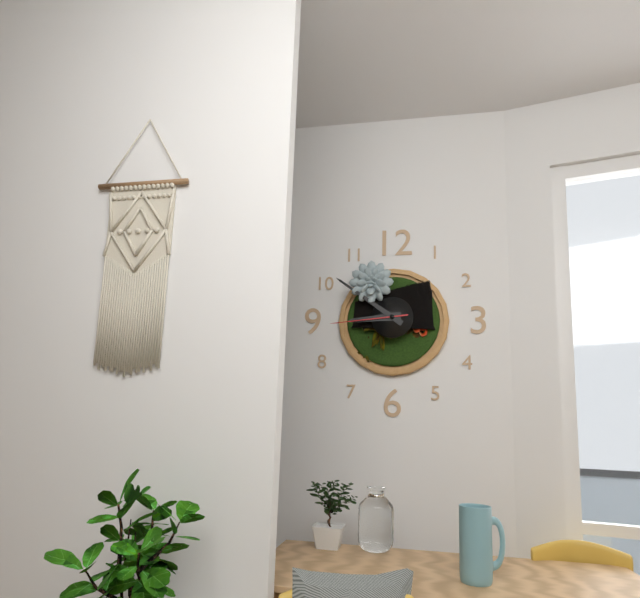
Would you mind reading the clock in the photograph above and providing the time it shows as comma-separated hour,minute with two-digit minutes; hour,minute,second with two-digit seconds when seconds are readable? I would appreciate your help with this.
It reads 8,51,44
